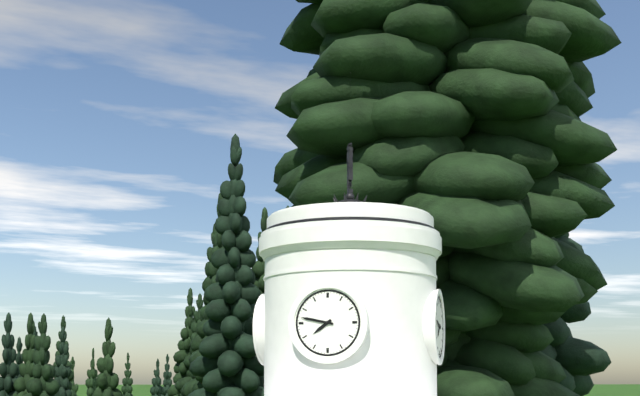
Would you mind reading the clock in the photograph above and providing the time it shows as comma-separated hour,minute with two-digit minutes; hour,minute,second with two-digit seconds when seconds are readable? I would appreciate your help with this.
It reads 7,47
